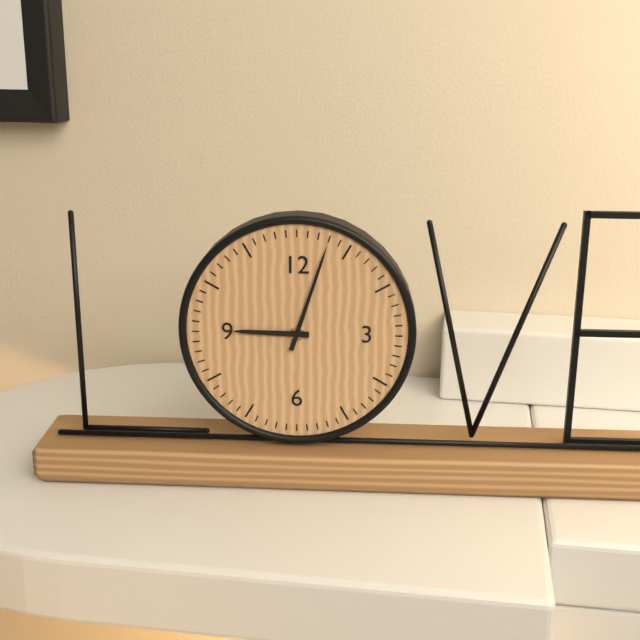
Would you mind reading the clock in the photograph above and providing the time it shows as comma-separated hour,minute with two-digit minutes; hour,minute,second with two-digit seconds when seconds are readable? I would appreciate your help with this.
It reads 9,03
